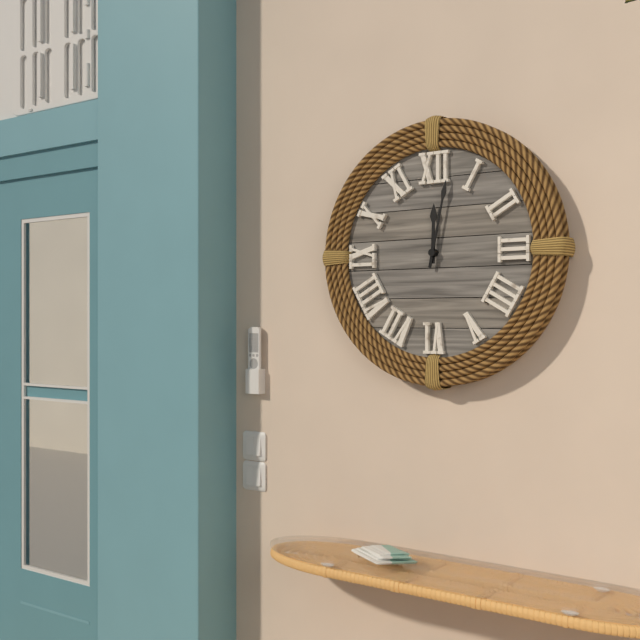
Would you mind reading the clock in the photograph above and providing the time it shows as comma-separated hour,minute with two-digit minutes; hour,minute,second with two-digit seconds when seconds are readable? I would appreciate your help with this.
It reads 12,02
